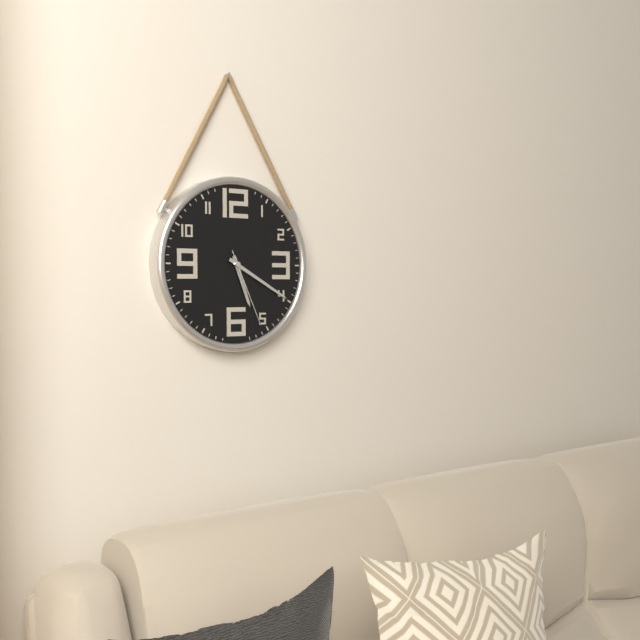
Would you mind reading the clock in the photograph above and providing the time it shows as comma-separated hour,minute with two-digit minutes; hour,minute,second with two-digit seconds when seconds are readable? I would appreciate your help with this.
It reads 5,20,26
